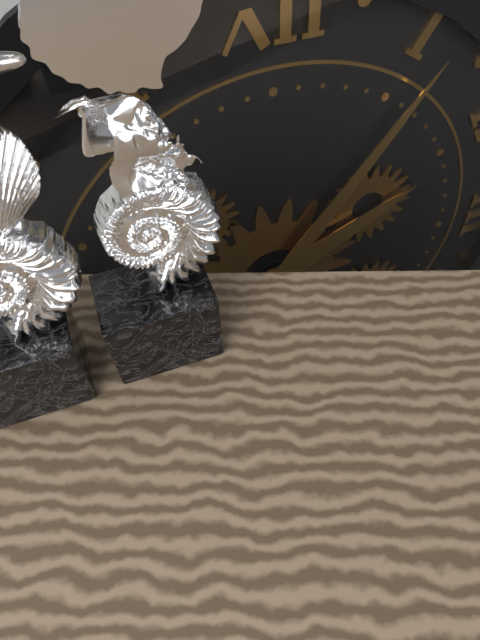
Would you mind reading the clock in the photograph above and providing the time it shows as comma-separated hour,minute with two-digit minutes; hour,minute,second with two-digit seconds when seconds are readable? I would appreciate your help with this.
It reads 2,06
